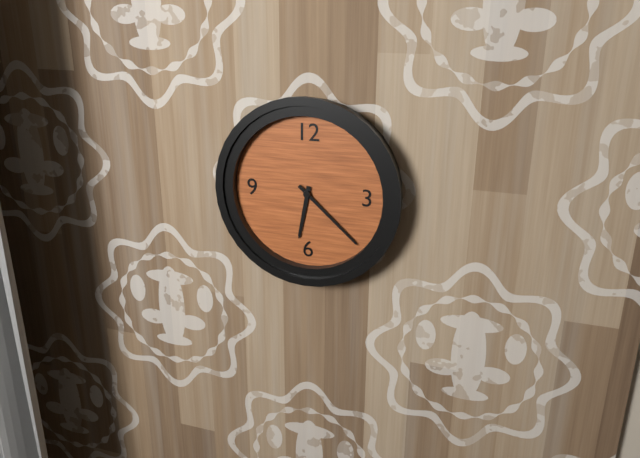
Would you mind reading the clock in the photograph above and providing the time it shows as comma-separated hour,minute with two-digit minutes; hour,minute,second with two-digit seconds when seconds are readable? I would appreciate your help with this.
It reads 6,22
